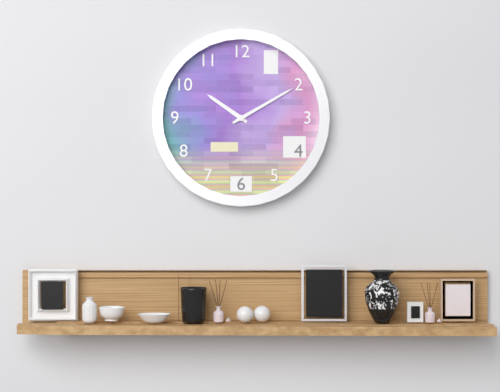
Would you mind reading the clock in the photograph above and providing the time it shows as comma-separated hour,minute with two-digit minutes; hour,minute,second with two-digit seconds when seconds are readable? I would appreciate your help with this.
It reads 10,10
